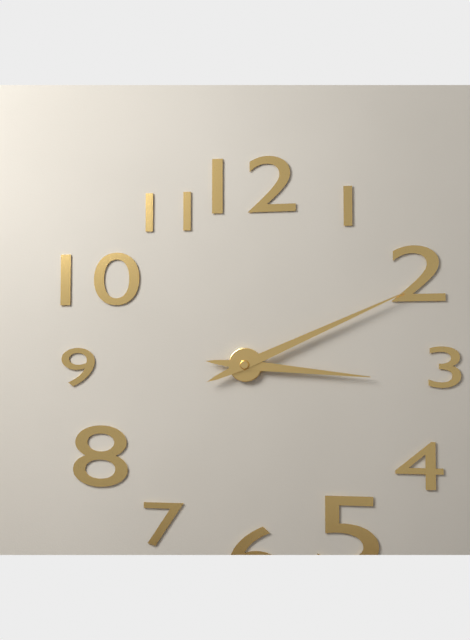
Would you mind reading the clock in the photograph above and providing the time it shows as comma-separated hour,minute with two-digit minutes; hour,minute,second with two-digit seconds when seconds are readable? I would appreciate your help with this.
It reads 3,11
